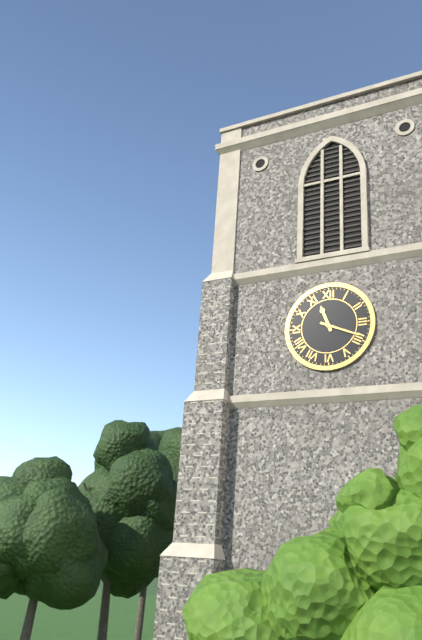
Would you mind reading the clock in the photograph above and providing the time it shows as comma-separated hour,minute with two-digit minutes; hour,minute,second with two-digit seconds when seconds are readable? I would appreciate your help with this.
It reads 11,19
